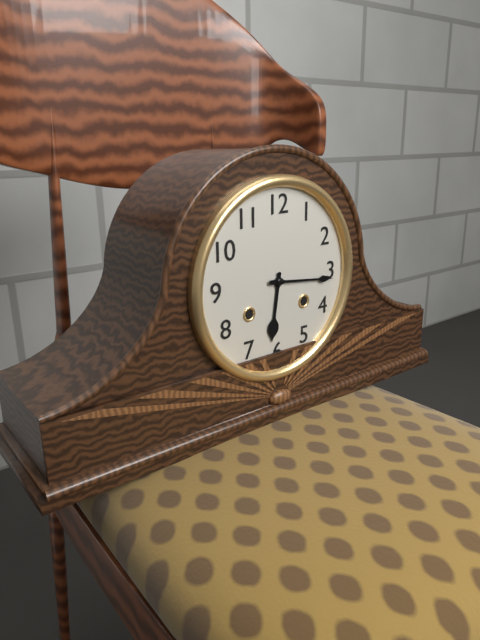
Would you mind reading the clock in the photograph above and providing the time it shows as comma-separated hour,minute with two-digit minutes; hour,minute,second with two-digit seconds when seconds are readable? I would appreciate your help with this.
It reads 6,16
